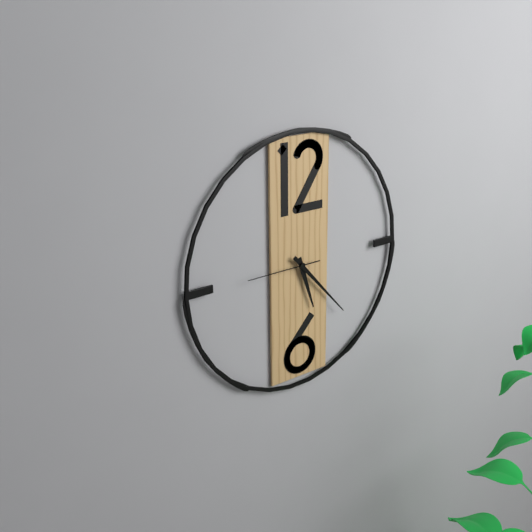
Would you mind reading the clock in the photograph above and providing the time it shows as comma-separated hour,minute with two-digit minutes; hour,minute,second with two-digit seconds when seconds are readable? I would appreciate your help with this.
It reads 5,23,45
